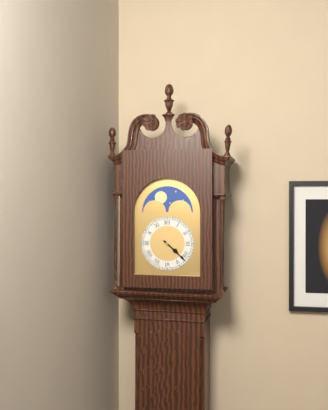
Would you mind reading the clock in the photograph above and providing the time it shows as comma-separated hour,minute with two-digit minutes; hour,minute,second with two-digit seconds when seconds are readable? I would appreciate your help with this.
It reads 4,22
